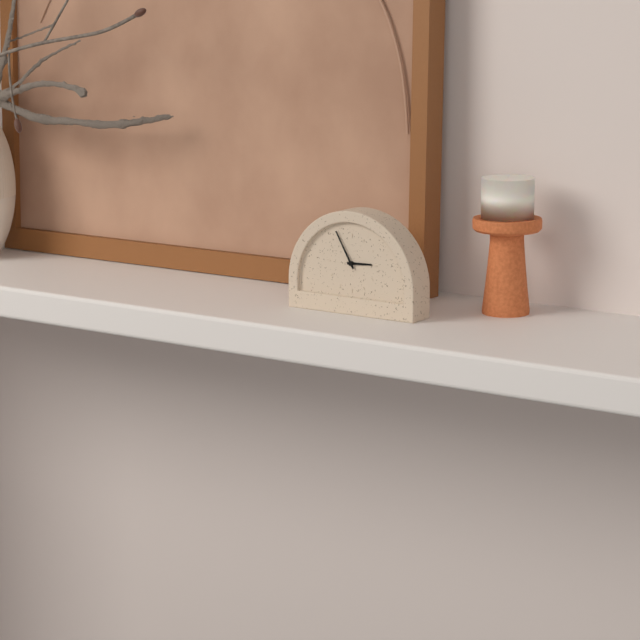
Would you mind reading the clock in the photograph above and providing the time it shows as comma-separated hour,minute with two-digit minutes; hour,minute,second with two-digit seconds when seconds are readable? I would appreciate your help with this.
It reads 2,55
